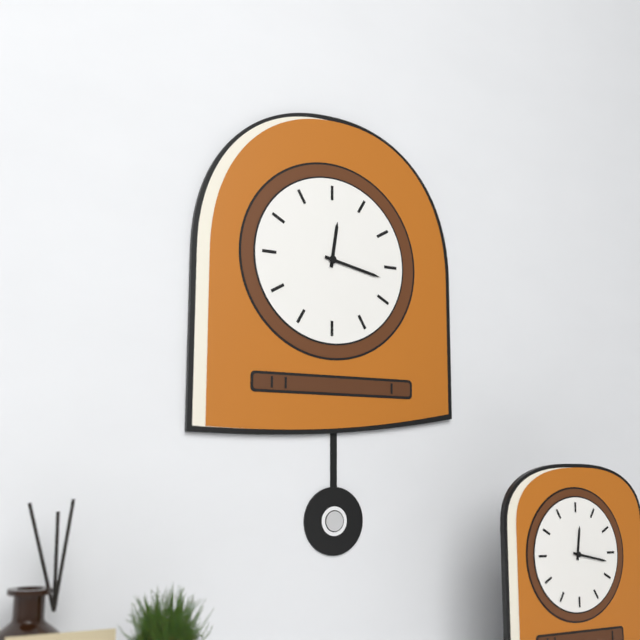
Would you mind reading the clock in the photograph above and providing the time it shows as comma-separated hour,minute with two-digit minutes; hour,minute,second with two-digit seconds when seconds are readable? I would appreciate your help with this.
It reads 12,17
